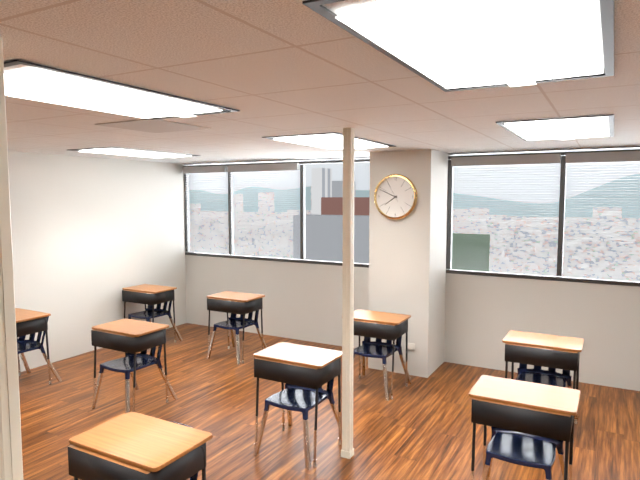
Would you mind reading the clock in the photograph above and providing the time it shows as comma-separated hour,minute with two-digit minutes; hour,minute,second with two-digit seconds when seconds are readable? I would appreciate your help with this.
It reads 7,49
